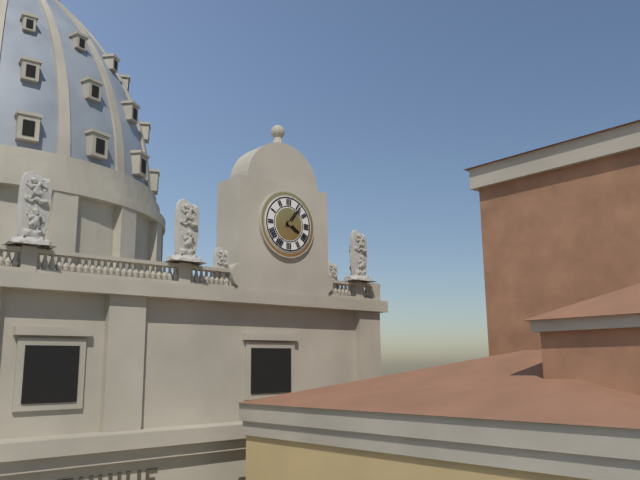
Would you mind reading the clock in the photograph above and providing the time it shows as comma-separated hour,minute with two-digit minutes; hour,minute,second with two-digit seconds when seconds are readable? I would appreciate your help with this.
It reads 4,06
